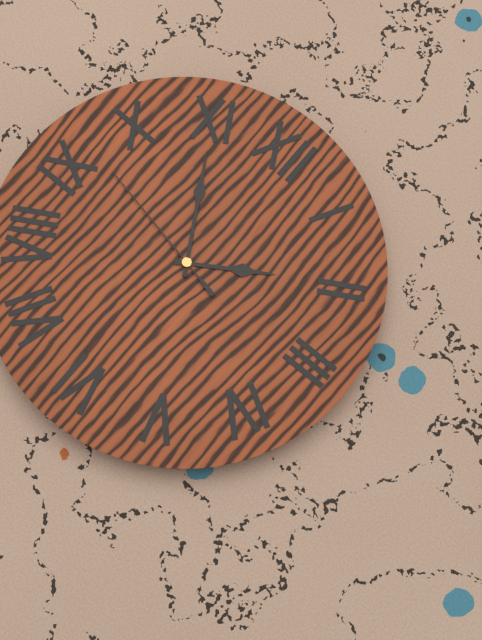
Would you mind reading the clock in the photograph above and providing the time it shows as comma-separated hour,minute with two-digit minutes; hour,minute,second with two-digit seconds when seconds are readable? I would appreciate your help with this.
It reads 1,55,47
